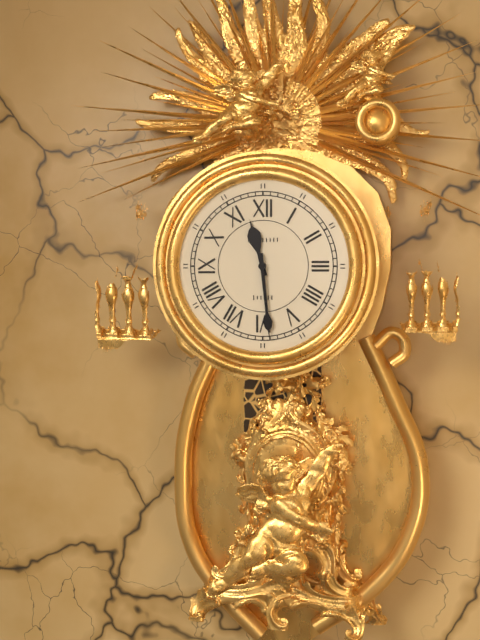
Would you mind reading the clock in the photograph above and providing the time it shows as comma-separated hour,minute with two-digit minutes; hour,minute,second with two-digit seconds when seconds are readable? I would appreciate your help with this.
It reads 11,29
